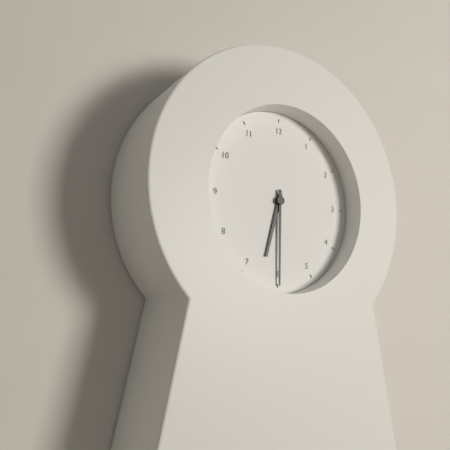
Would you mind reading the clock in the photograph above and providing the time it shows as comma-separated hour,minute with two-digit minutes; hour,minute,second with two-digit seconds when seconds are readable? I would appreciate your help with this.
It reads 6,30
